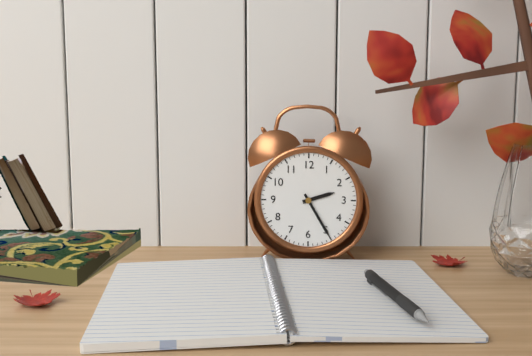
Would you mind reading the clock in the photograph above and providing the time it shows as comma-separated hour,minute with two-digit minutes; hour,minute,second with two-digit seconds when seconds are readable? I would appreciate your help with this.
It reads 2,25
